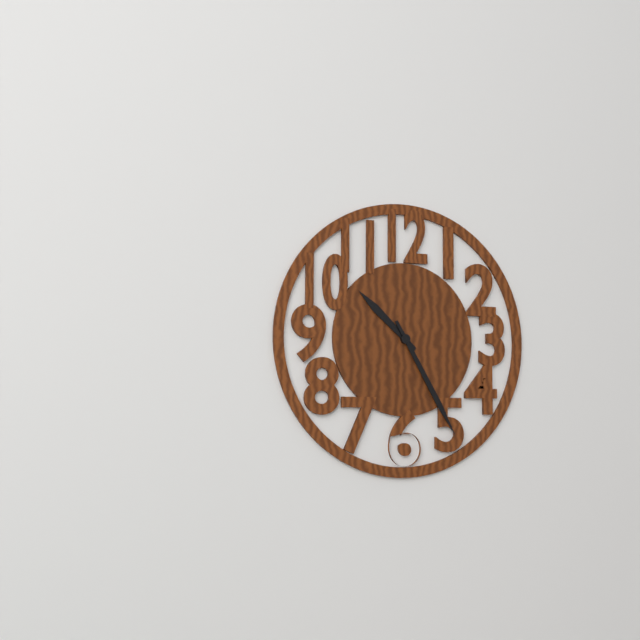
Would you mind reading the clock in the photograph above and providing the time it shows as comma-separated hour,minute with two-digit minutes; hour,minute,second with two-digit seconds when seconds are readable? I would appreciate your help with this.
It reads 10,25
